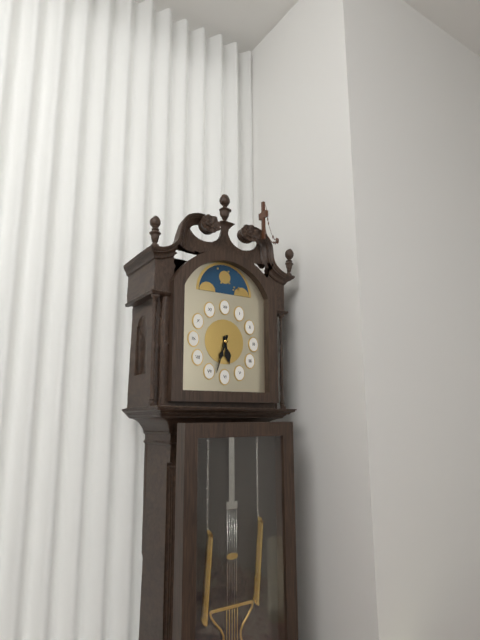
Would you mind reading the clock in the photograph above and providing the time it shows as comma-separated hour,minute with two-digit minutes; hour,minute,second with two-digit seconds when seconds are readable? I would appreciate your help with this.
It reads 5,33
